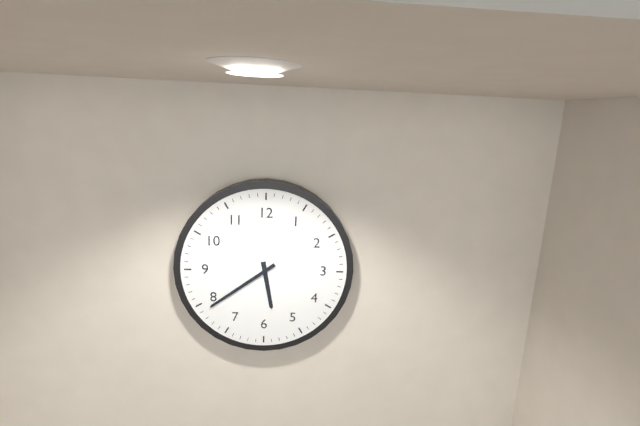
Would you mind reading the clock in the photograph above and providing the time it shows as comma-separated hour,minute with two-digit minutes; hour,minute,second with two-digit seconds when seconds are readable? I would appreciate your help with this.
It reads 5,39
